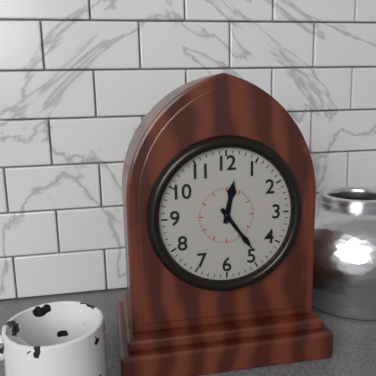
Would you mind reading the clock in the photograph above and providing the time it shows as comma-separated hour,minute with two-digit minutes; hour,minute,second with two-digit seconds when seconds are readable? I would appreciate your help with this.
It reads 12,24
